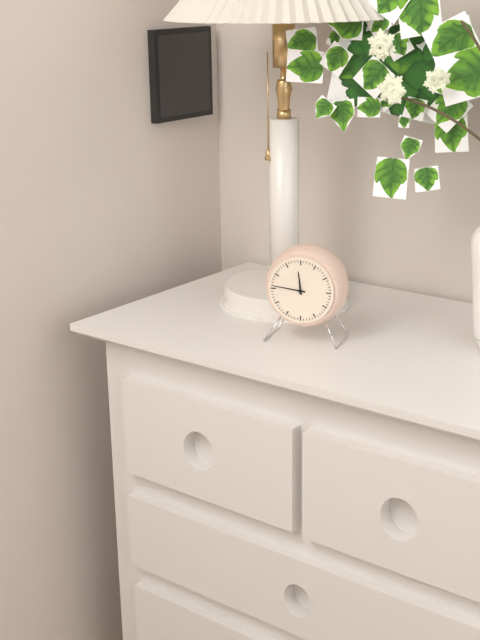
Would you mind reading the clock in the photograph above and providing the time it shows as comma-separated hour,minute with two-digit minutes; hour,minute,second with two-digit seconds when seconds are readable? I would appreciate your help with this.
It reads 11,46
